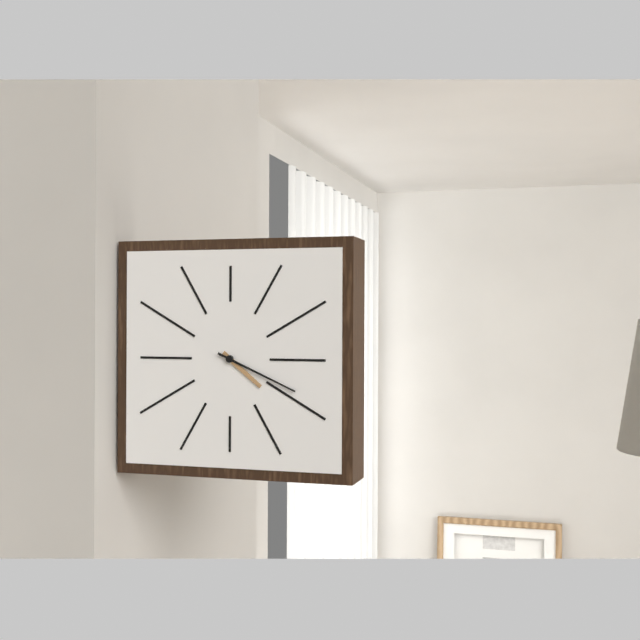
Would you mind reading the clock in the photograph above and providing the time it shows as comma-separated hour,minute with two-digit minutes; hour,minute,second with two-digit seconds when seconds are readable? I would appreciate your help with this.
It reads 4,19
